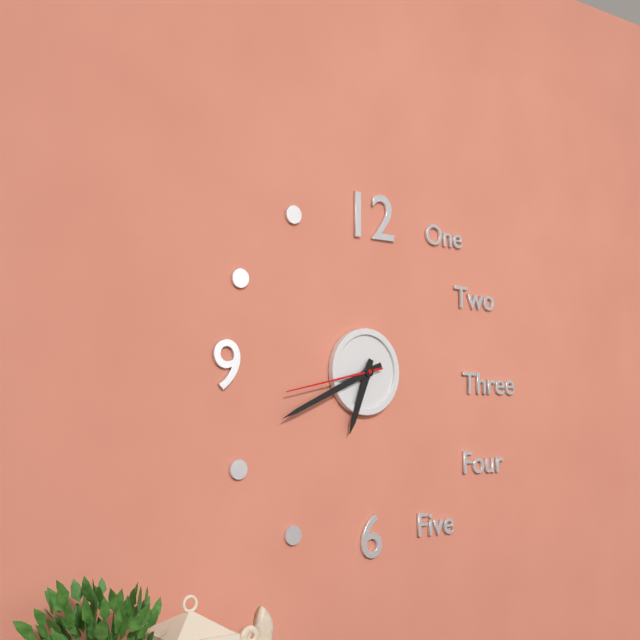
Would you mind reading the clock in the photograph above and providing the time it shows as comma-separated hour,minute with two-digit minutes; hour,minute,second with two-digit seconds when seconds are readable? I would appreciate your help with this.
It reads 6,41,43
